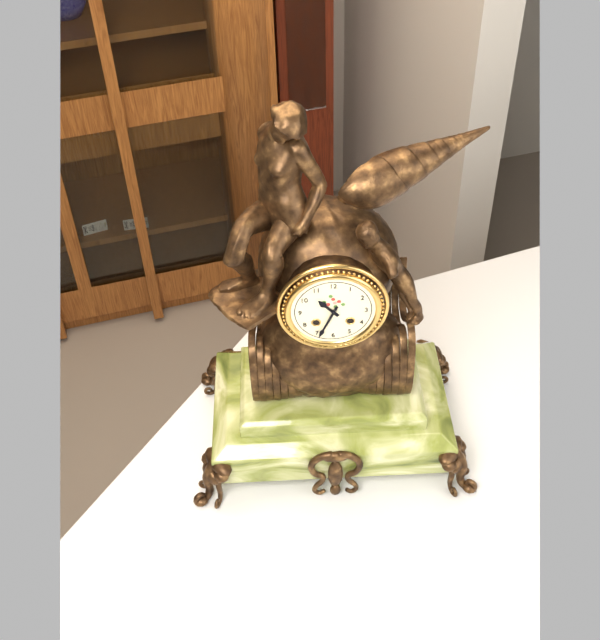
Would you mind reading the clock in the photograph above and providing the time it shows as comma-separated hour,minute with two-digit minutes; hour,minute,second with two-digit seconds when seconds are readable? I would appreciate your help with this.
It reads 10,34
